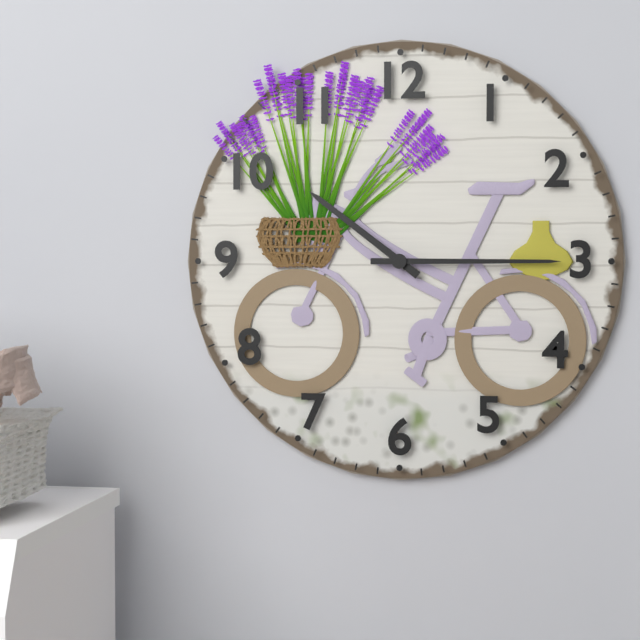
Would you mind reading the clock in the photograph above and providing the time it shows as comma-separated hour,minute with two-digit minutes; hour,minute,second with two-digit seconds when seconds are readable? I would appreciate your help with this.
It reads 10,15
